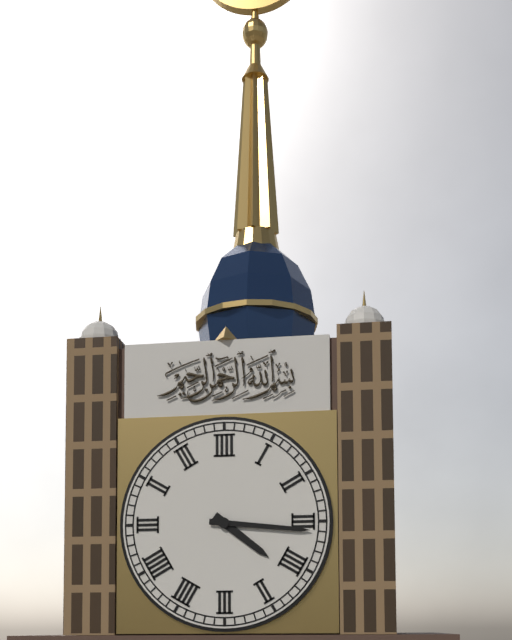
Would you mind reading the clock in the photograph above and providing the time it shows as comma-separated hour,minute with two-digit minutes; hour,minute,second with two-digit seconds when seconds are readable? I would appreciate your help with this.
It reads 4,16
